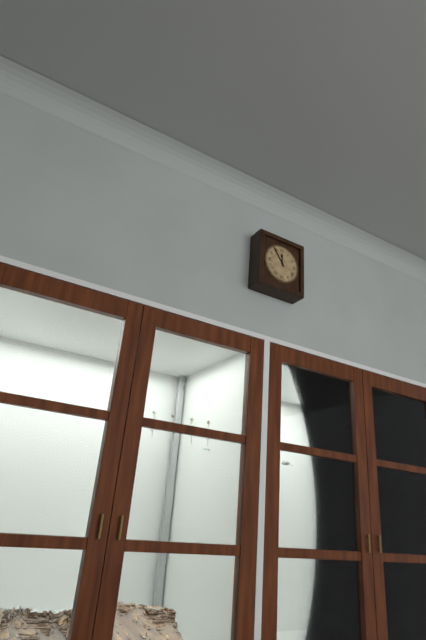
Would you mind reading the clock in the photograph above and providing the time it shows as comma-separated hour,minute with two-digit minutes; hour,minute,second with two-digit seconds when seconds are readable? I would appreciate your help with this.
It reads 11,54
